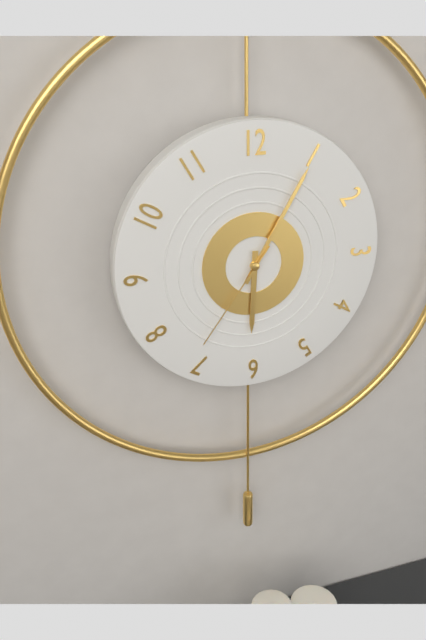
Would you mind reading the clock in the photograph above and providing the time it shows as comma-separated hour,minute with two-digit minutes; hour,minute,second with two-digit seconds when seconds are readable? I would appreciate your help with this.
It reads 6,05,36
